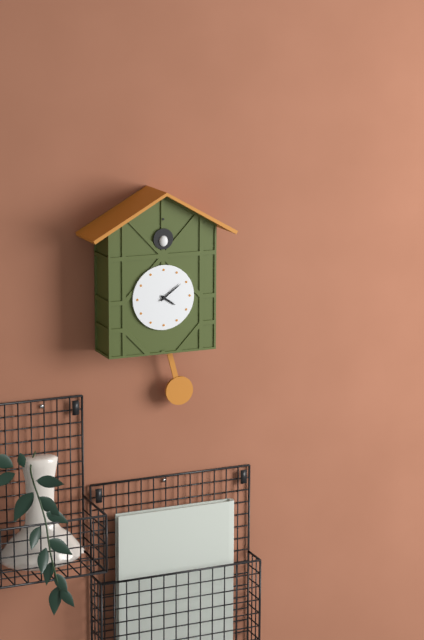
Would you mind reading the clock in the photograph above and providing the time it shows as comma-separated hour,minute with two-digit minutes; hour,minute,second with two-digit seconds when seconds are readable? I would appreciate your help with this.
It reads 4,09
